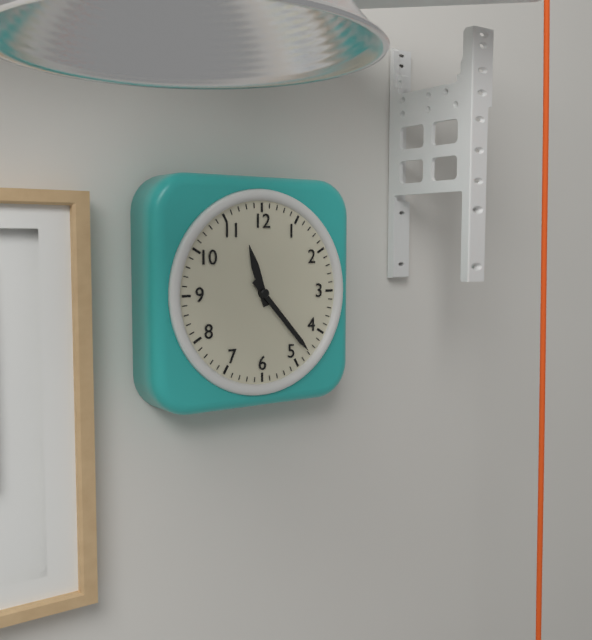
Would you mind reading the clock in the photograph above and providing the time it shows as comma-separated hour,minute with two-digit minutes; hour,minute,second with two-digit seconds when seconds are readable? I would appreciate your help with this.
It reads 11,23
